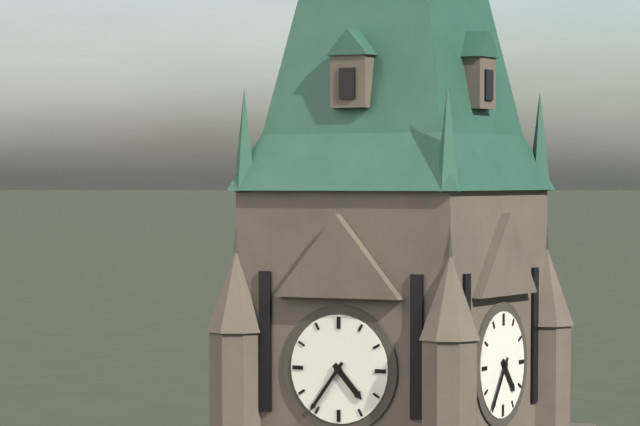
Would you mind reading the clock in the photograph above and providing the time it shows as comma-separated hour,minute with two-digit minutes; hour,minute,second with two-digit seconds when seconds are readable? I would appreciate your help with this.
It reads 4,36
